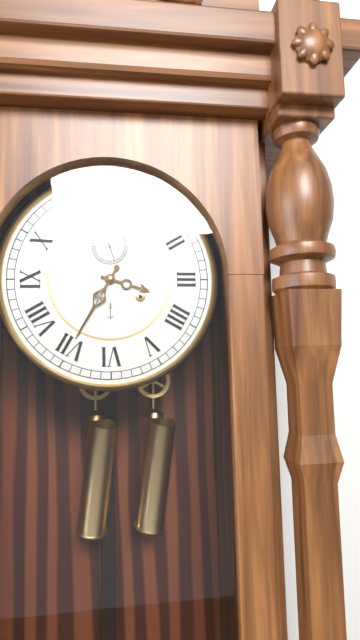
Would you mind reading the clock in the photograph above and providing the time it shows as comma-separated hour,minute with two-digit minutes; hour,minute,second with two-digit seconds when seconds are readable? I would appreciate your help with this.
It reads 3,35
